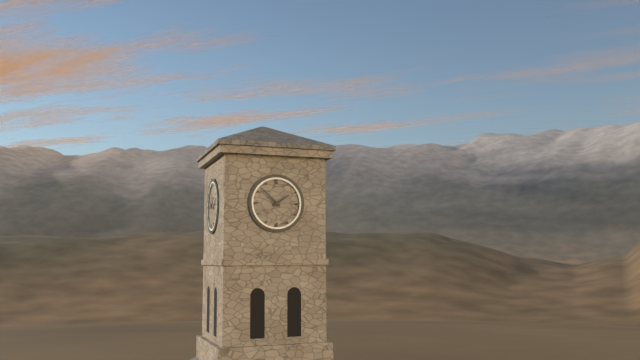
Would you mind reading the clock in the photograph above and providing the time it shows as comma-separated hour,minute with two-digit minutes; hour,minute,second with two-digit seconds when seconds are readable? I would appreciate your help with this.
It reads 1,52
